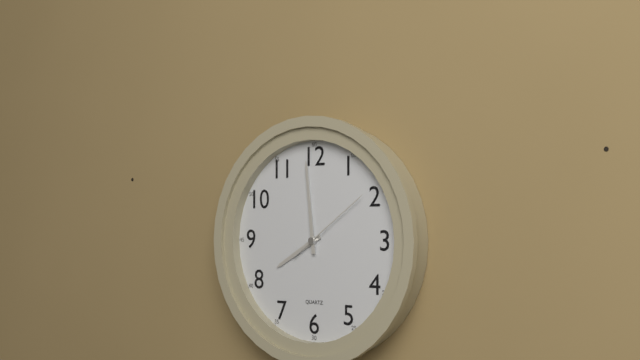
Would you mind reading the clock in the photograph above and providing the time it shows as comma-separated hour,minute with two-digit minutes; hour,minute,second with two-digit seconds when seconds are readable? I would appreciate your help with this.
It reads 7,59,09
